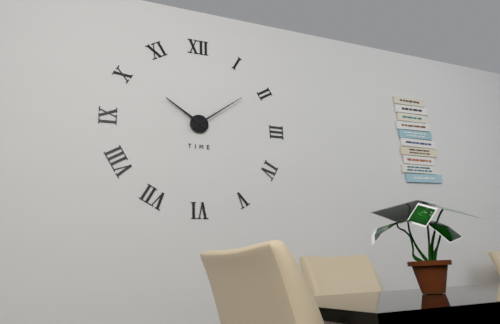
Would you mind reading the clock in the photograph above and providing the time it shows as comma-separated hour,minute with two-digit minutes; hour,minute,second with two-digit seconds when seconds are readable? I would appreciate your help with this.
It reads 10,09
